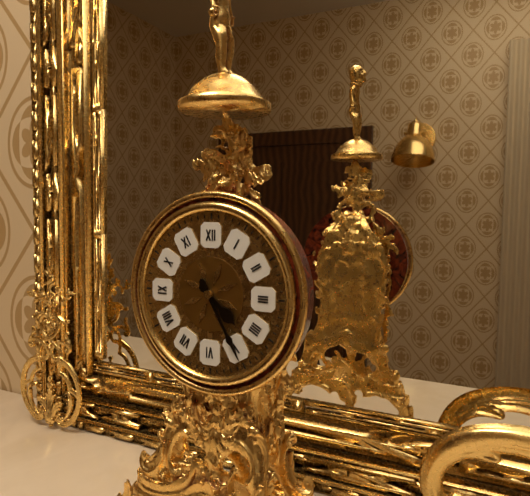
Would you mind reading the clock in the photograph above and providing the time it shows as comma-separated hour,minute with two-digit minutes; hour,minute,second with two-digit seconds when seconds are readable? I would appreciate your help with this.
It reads 4,25
